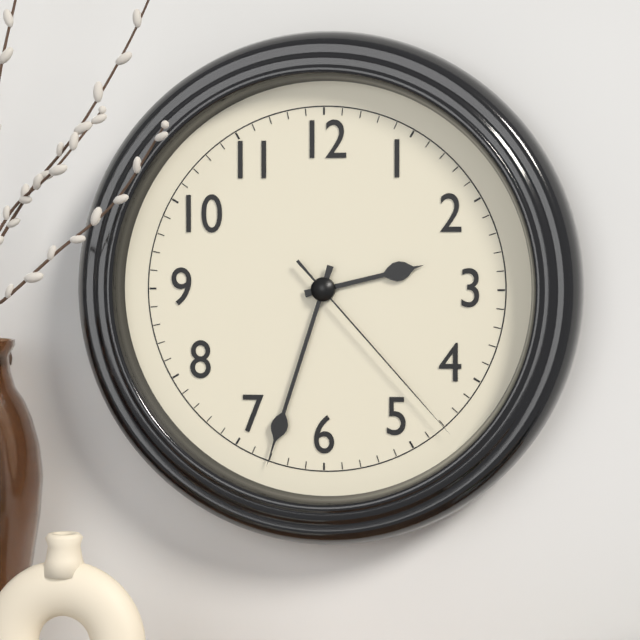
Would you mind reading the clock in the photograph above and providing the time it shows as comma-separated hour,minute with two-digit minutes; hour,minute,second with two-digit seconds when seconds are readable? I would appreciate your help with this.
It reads 2,33,23
